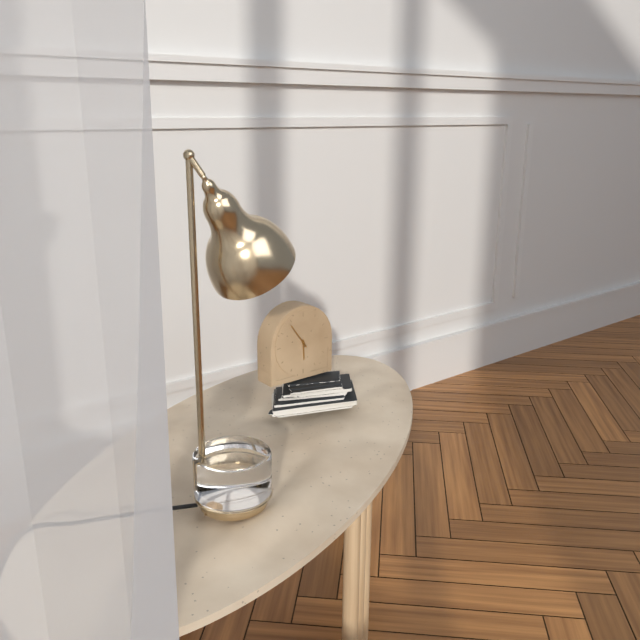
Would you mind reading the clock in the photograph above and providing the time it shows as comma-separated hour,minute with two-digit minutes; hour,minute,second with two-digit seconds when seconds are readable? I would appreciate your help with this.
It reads 5,54
